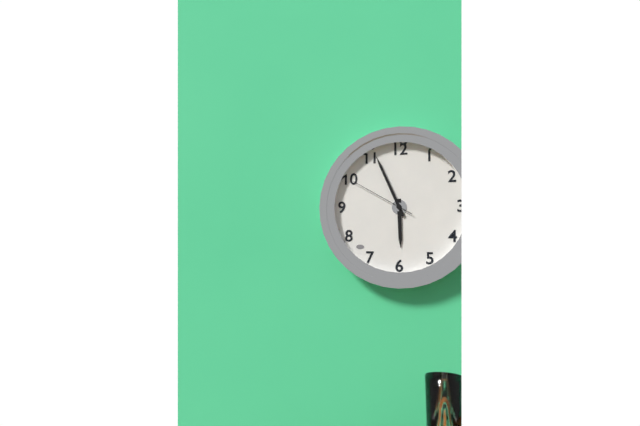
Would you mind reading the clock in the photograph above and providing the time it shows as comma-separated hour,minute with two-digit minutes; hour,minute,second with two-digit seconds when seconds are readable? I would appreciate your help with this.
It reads 5,56,50
